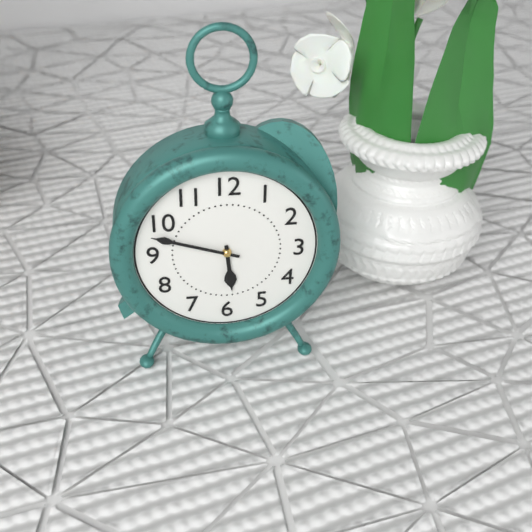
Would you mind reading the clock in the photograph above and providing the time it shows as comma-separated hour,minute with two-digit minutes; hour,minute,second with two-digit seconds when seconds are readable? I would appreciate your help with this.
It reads 5,48
